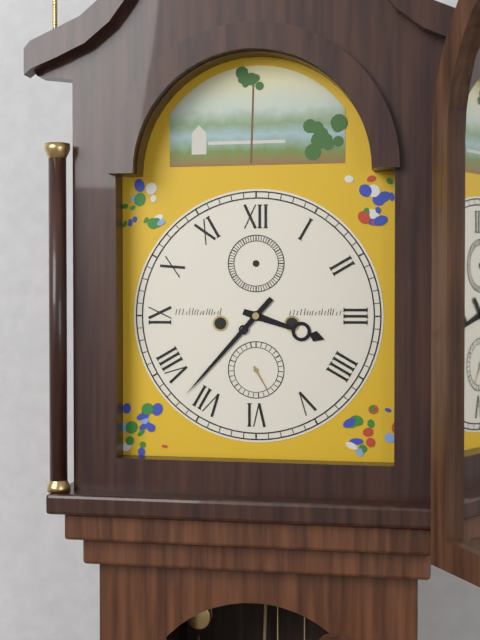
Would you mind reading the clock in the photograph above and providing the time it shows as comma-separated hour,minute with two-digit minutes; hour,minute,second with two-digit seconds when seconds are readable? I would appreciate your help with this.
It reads 3,37
